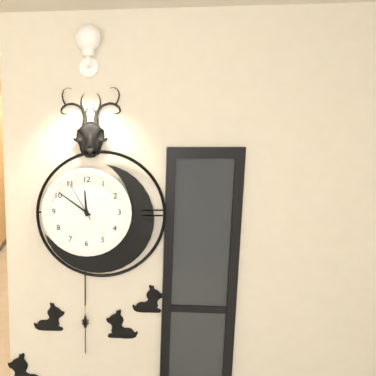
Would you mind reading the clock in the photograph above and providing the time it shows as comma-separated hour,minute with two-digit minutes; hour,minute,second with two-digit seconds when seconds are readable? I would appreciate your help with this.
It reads 11,51
